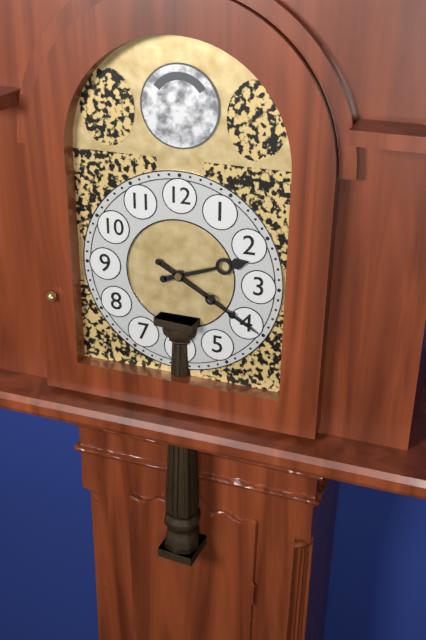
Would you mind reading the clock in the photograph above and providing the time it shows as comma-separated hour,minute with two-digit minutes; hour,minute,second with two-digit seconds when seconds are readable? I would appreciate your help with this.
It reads 2,20
